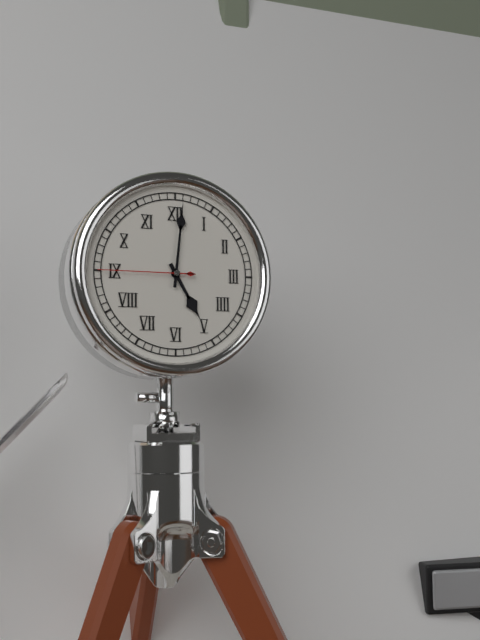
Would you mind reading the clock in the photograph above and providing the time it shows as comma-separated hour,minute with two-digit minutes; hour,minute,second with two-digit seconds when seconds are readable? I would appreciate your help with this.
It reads 5,01,45
